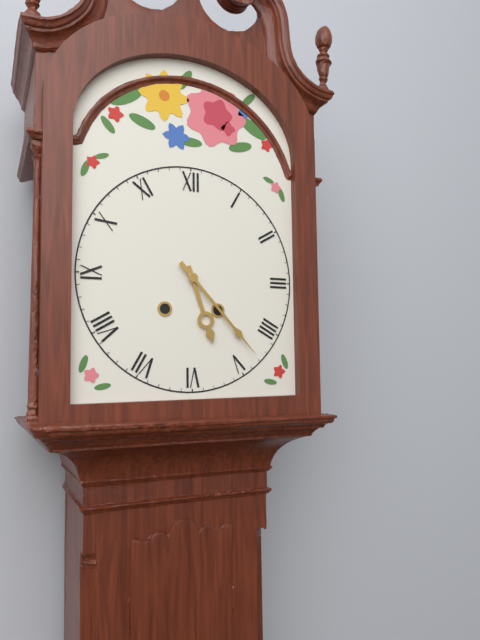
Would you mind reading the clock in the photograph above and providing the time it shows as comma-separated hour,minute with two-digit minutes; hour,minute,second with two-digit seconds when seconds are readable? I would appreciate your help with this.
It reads 5,23
